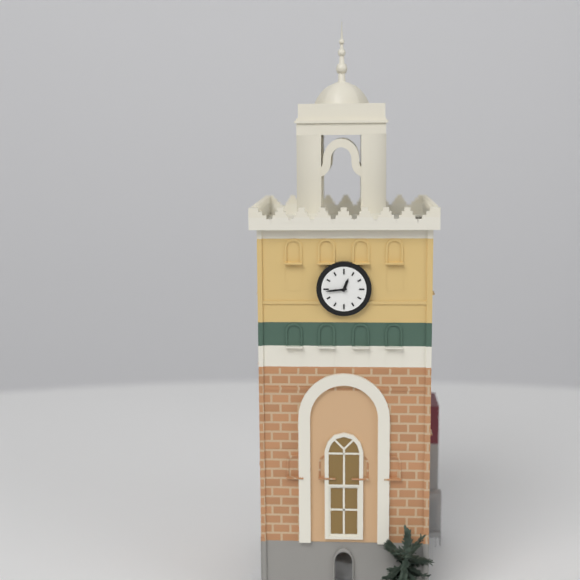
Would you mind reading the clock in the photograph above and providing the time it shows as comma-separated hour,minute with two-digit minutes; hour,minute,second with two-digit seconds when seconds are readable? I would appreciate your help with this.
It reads 12,44
